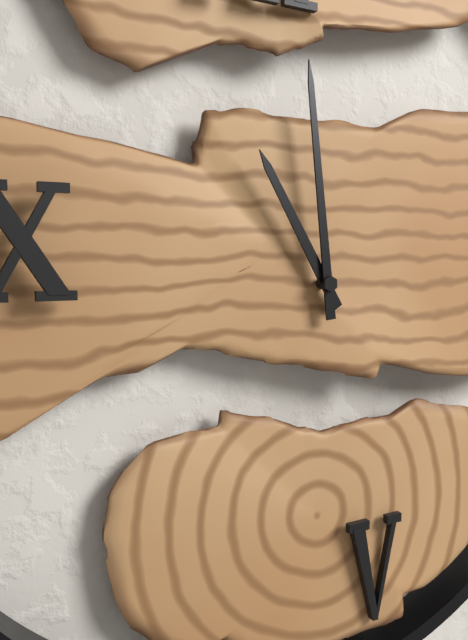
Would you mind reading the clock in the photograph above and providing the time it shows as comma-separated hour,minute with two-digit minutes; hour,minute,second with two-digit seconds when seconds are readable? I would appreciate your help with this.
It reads 10,59
